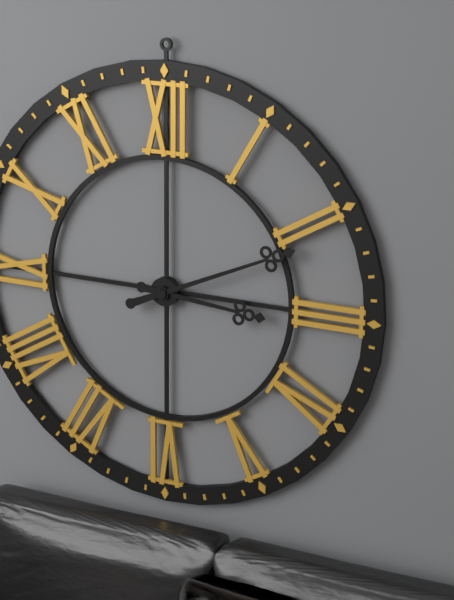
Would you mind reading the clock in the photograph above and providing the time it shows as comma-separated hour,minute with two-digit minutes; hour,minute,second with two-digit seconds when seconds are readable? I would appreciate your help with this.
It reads 3,11
